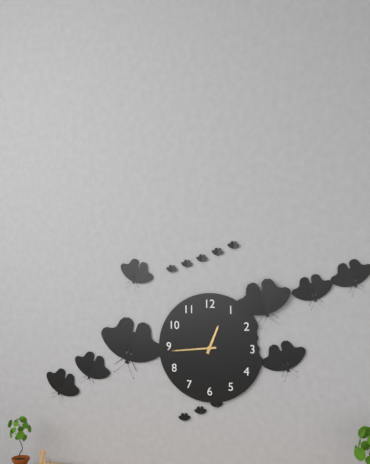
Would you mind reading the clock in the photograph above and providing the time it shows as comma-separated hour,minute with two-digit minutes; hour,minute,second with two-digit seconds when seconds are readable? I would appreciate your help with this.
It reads 12,44
